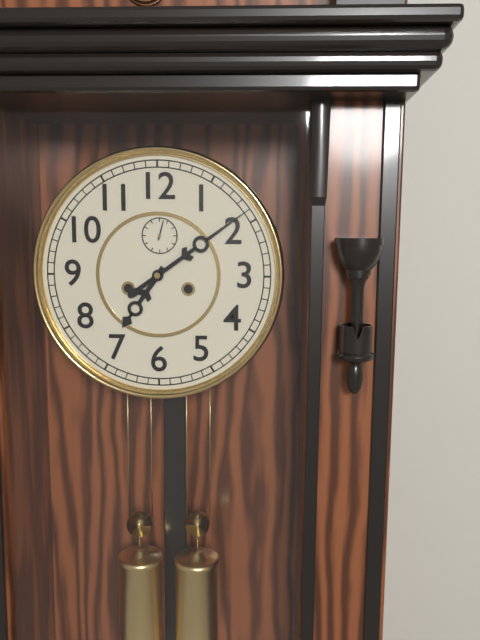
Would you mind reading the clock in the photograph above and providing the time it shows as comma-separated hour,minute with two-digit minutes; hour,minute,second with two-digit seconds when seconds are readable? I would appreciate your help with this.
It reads 7,09
